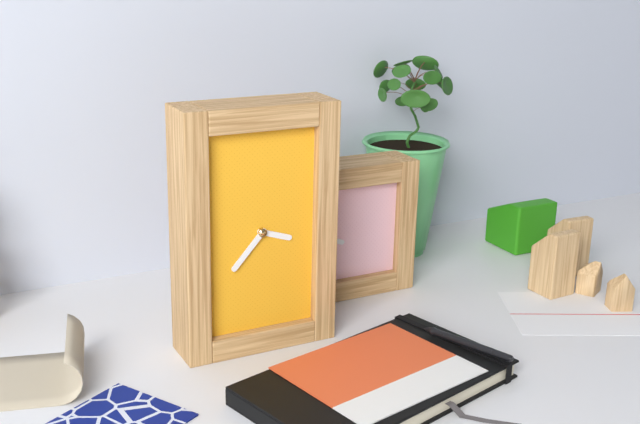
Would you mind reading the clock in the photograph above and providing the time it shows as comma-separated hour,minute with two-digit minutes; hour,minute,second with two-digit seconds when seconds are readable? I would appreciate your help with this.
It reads 3,37
